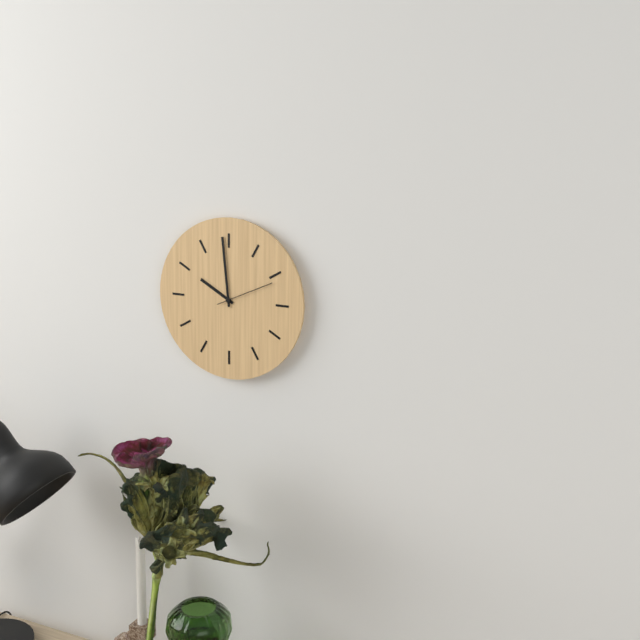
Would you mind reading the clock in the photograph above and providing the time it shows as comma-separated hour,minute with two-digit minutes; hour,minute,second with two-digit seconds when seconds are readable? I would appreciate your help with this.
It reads 9,59,11
